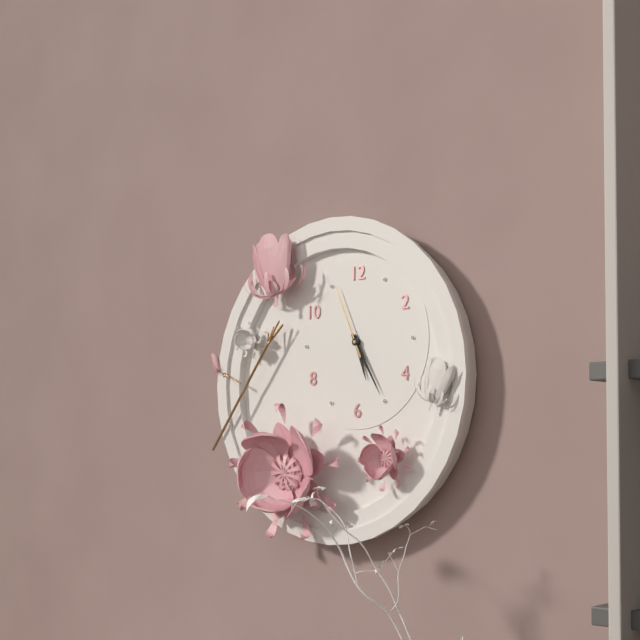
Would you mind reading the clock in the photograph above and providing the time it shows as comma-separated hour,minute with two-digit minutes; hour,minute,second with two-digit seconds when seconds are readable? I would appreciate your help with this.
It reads 5,25,56
